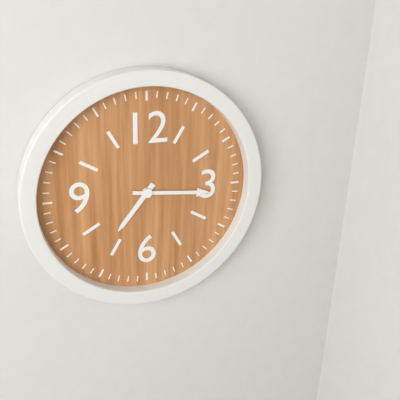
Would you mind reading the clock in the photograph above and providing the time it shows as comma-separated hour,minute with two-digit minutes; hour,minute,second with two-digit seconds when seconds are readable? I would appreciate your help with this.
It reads 7,16
